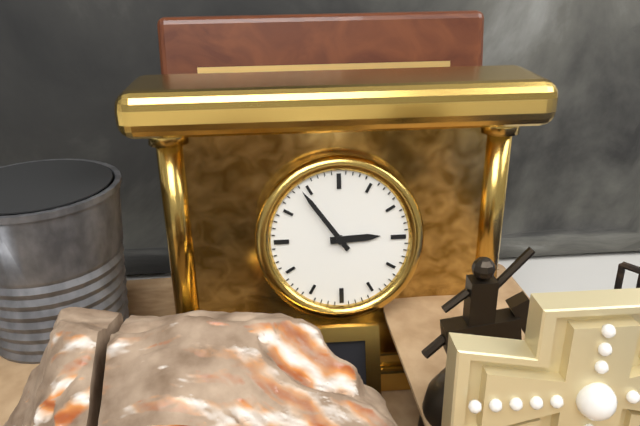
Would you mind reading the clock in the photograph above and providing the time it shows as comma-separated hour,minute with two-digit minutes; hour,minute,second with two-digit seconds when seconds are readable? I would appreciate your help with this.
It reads 2,54
